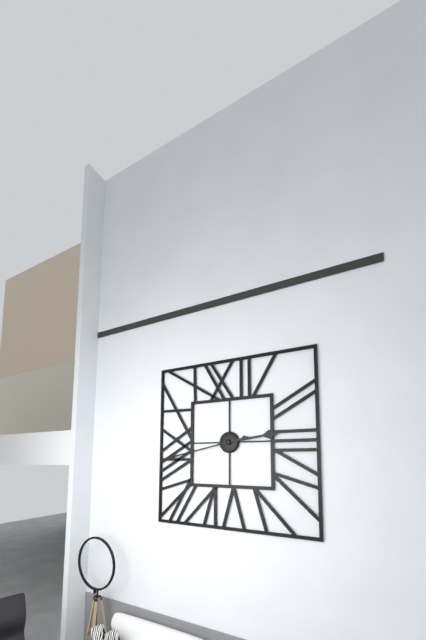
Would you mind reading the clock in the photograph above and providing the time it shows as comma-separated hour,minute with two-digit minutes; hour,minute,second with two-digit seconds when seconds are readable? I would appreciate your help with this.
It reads 2,43
